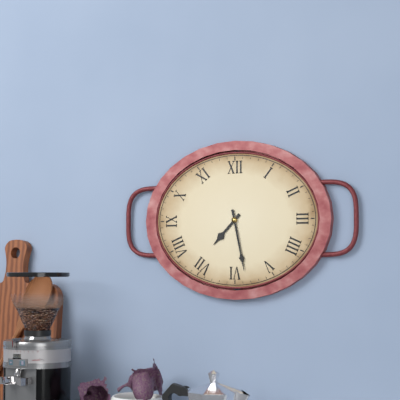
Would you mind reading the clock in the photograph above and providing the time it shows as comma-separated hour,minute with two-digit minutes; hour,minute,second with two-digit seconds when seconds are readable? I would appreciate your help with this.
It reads 7,28
